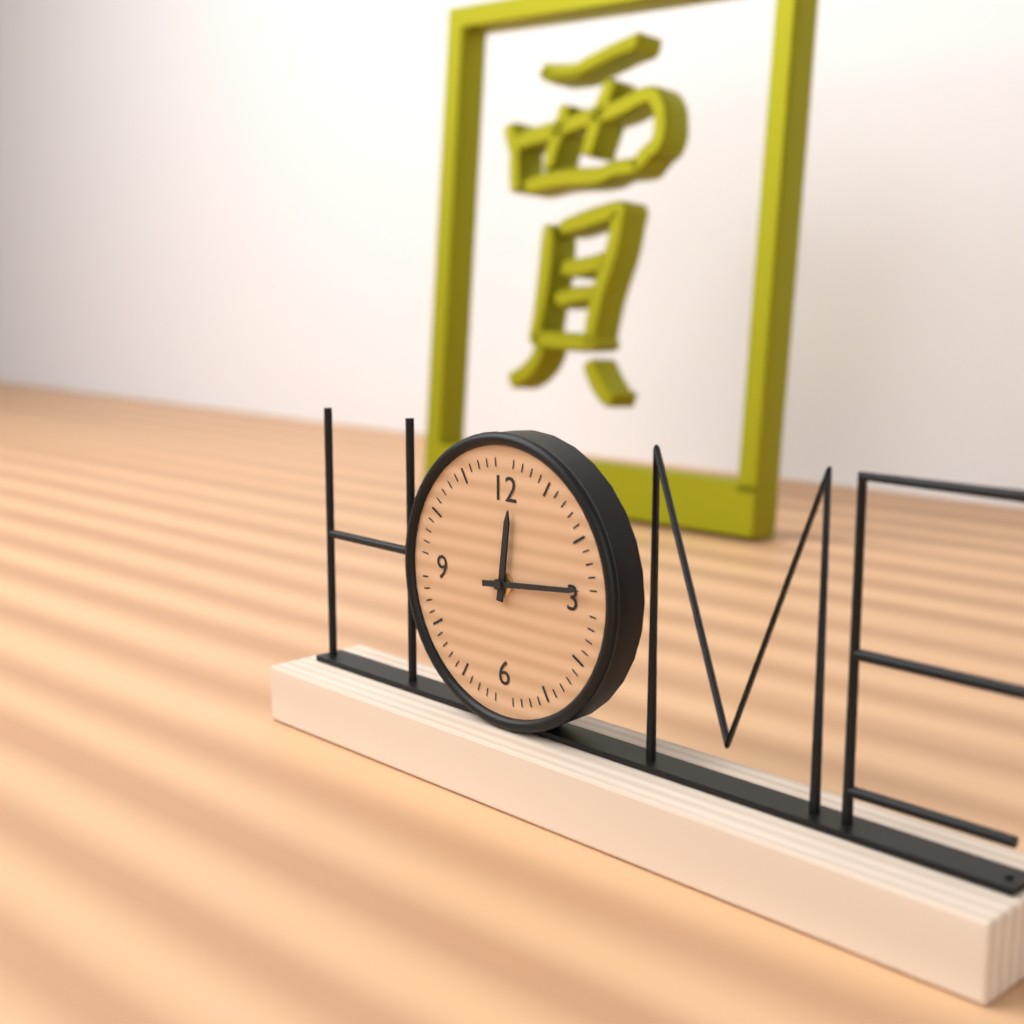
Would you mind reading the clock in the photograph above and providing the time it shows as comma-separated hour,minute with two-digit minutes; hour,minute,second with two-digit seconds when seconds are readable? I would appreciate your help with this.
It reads 12,14
